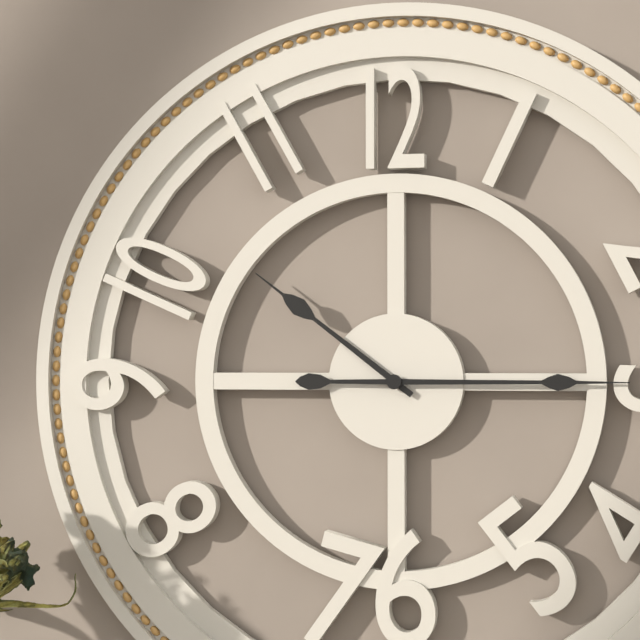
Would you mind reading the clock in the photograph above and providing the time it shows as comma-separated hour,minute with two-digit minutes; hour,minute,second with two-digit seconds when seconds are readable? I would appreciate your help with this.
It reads 10,15
